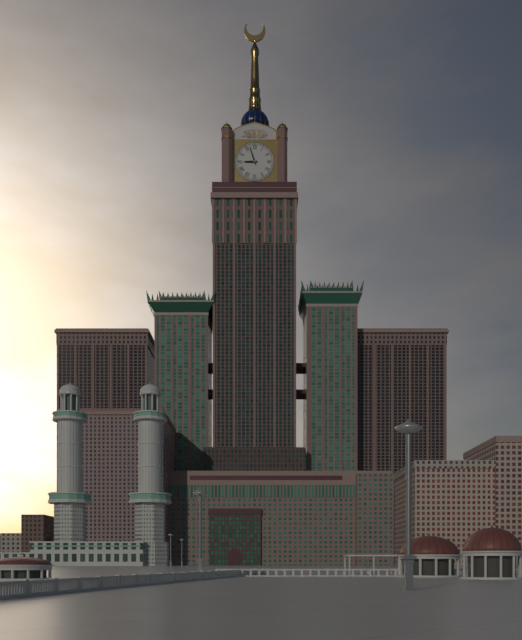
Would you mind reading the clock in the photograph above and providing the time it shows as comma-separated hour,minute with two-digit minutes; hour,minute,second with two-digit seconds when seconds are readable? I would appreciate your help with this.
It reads 8,57
